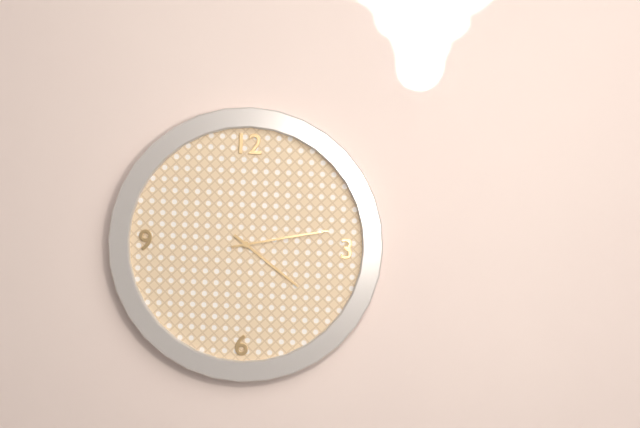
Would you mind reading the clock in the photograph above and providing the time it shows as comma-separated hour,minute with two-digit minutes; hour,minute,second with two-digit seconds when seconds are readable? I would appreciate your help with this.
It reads 4,13
